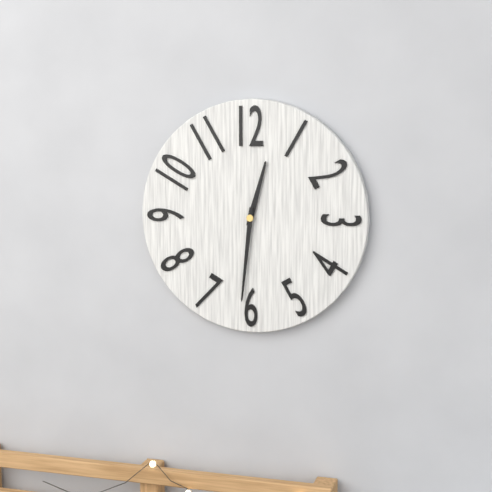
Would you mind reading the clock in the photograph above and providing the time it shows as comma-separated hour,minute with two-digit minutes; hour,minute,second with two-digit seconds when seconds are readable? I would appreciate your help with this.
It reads 12,31
